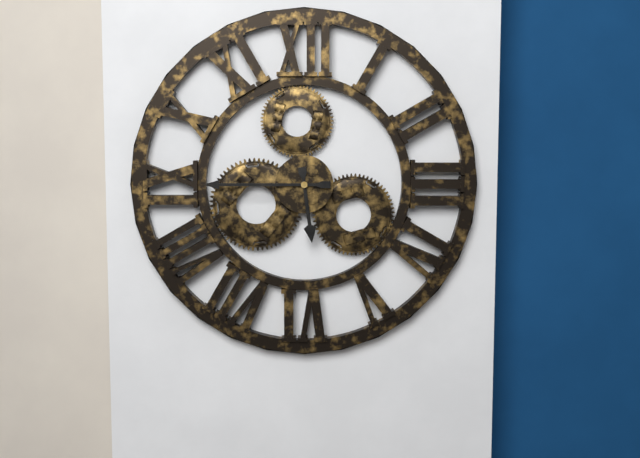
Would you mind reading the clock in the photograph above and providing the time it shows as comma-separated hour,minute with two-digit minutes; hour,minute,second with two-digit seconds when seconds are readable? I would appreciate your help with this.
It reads 5,45
